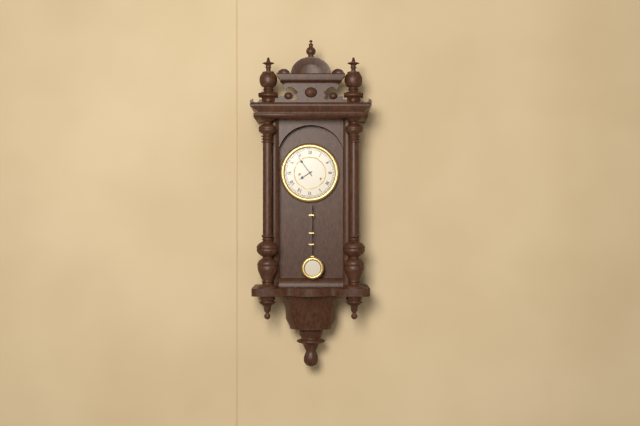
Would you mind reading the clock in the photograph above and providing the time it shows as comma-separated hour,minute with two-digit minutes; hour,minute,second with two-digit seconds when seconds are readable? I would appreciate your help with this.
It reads 7,54
